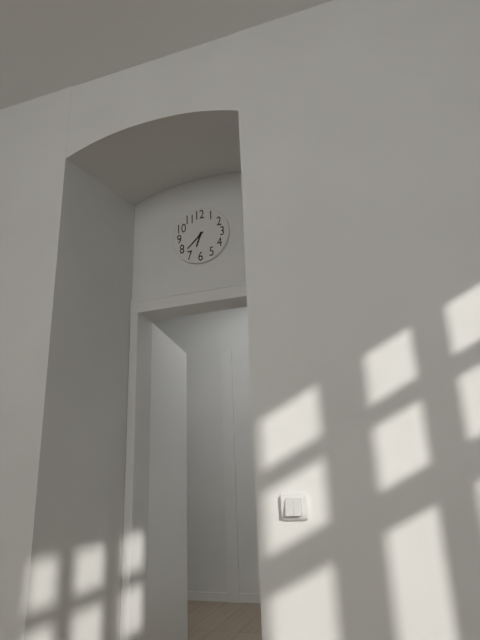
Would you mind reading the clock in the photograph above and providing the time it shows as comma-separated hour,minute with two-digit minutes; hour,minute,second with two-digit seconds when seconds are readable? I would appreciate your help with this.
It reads 6,38
